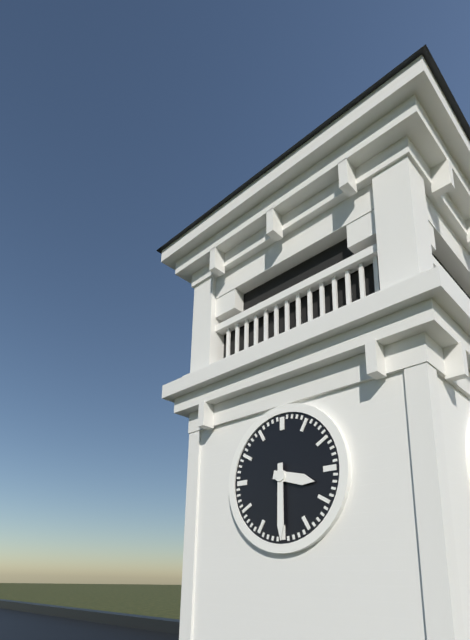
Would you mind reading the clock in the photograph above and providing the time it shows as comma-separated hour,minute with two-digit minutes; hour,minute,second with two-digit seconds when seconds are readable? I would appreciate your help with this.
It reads 3,30
